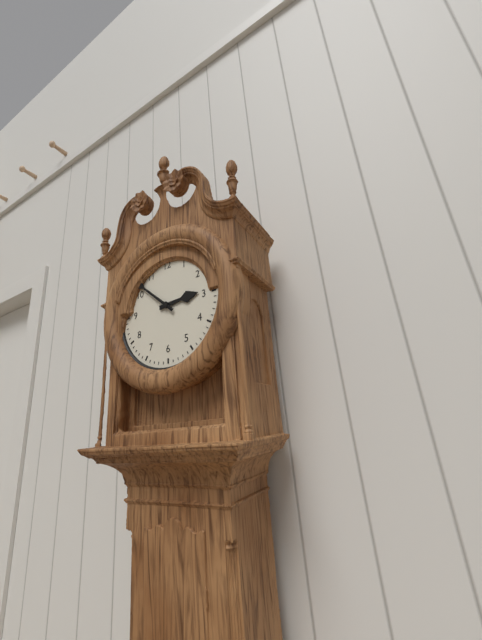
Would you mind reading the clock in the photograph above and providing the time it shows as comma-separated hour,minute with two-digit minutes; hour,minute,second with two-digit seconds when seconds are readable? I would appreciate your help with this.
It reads 2,52
